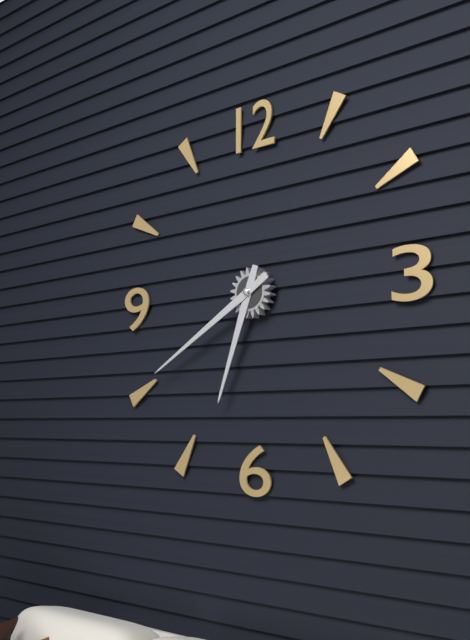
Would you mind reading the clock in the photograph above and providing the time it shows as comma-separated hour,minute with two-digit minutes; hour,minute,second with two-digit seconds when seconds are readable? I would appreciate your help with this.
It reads 6,40
